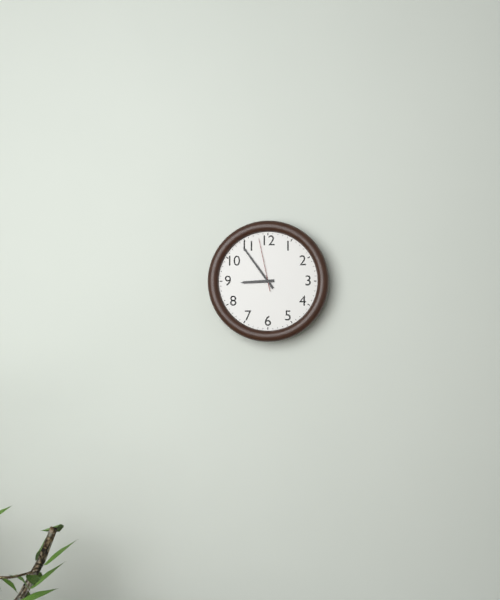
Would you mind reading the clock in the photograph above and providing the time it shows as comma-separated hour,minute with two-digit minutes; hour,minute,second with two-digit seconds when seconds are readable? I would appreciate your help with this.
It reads 8,54,58
